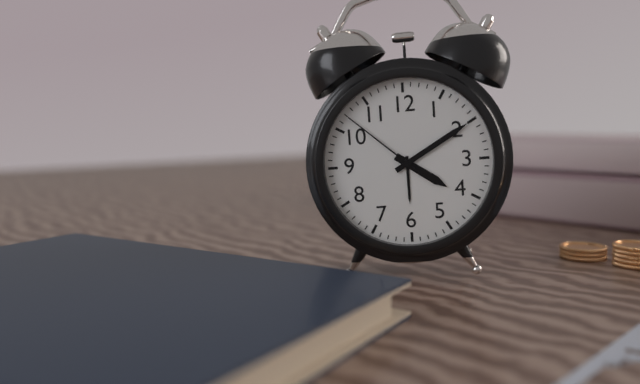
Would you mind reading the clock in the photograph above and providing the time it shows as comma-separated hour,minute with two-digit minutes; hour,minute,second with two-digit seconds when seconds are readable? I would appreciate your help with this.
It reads 4,10,52
